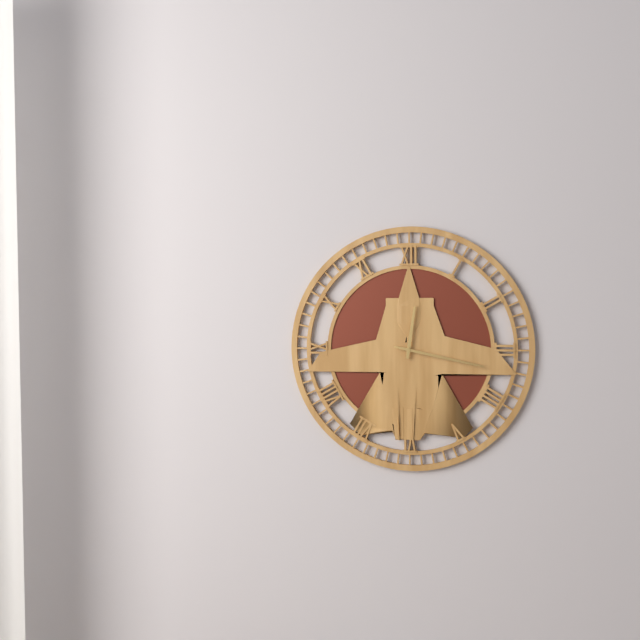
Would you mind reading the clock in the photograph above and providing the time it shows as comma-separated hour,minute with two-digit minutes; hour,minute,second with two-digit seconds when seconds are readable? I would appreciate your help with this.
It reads 12,17
